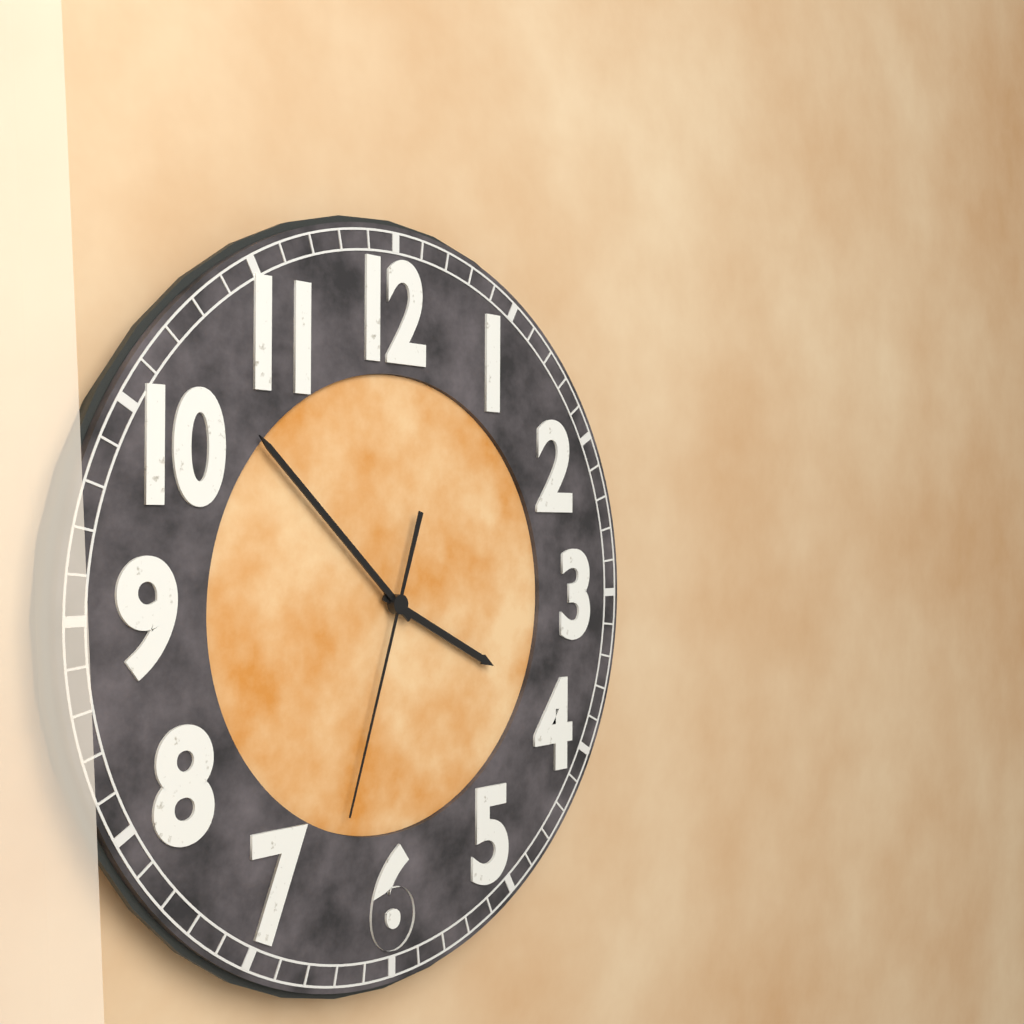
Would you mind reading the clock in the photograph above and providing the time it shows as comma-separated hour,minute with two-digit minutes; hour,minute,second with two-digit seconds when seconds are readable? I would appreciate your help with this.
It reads 3,52,33
